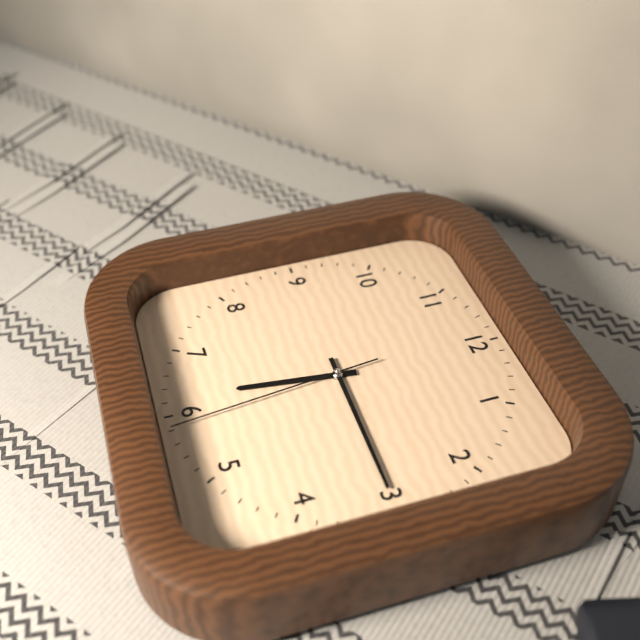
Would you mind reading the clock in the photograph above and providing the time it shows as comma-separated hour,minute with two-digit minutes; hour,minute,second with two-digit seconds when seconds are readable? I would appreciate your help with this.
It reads 6,15,29
